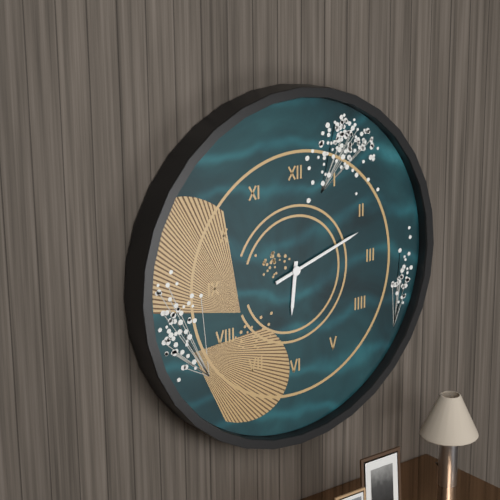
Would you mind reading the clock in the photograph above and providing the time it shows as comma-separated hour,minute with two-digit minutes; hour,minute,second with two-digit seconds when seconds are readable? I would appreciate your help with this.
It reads 6,12
